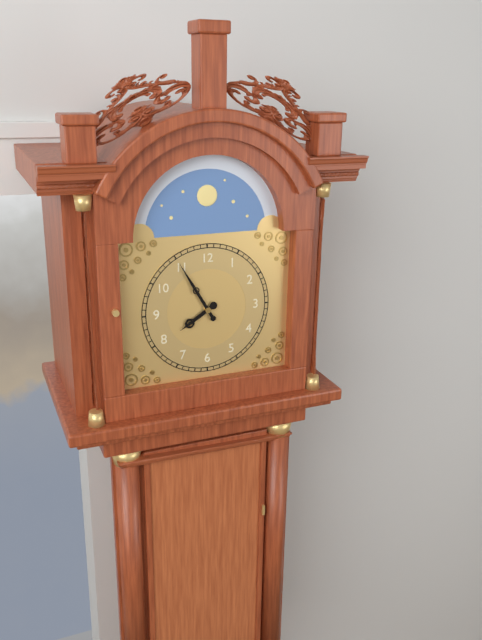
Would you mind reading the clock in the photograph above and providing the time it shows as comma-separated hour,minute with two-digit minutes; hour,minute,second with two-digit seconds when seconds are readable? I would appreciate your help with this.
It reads 7,55
